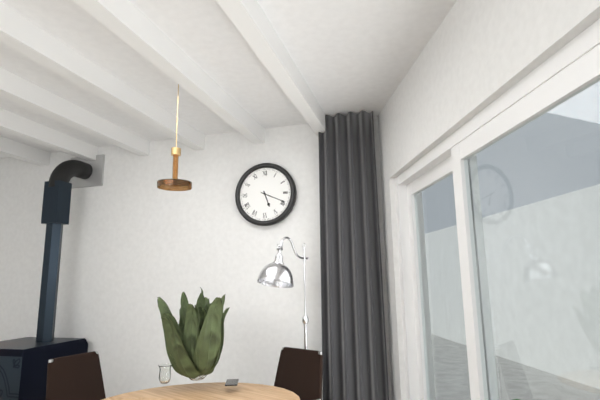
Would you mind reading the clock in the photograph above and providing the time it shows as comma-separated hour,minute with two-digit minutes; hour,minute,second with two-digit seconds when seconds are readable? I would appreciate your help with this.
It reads 5,19
